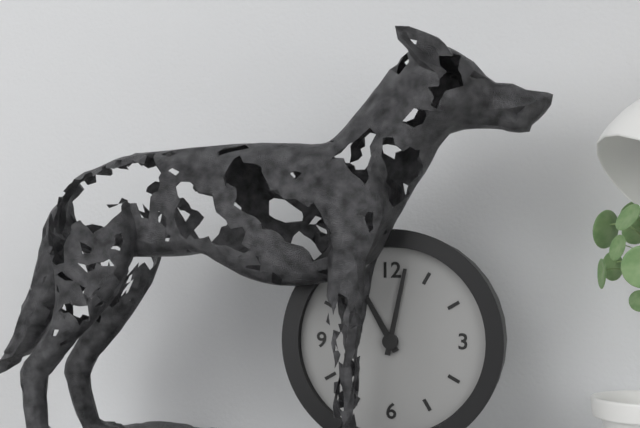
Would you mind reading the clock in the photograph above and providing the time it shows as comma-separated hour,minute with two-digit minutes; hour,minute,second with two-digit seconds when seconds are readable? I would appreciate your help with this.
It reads 11,02
